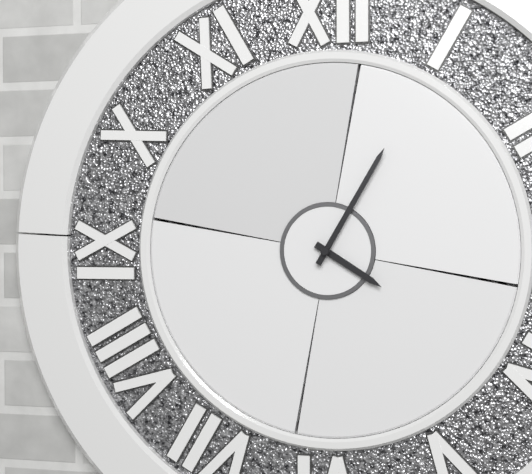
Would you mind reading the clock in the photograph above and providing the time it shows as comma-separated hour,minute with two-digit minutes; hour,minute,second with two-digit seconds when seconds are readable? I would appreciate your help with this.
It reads 4,05
